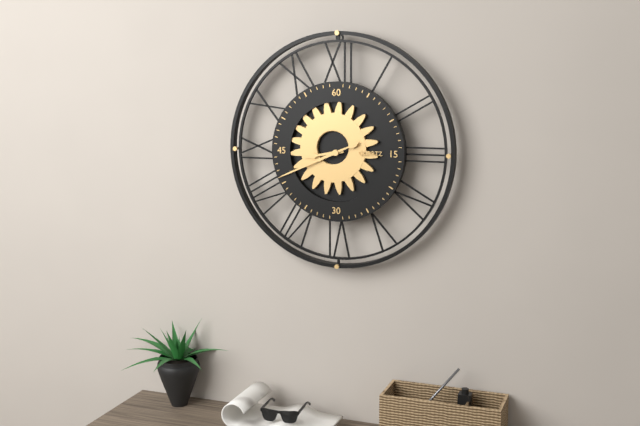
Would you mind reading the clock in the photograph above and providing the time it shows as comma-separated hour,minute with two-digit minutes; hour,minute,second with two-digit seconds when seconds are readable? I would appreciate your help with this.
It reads 8,41
